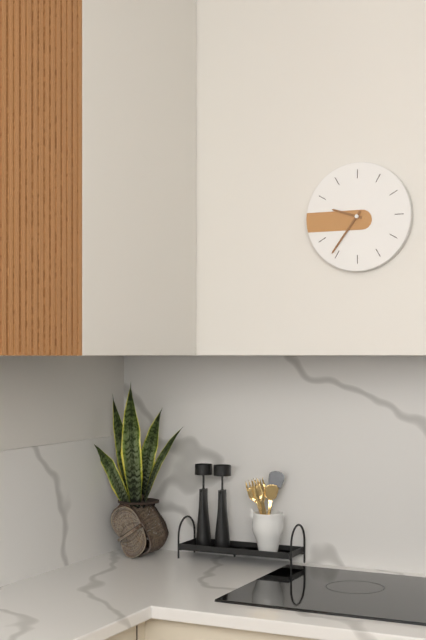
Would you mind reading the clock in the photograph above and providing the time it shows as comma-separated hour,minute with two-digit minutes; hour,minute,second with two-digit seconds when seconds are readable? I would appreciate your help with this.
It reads 9,36
